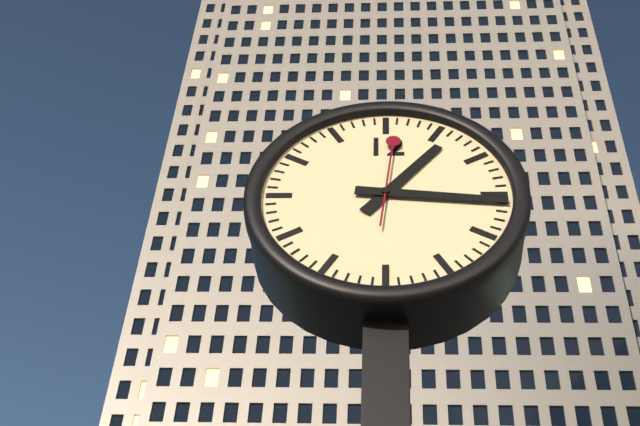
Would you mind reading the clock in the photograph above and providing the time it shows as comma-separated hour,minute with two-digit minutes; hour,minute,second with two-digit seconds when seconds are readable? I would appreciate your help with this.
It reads 1,16,01
